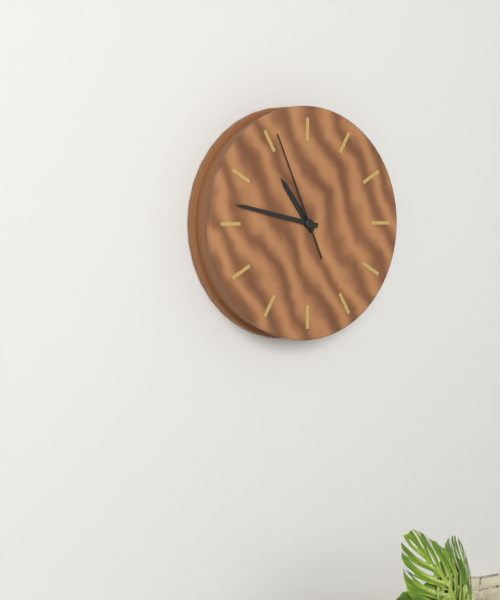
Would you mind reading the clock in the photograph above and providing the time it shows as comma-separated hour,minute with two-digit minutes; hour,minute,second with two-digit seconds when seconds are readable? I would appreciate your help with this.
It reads 10,47,56
